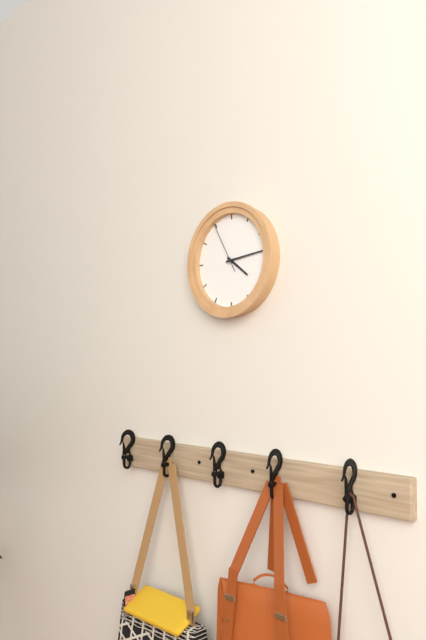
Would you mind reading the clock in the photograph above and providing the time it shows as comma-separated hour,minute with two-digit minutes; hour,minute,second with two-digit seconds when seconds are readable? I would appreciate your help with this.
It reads 4,14,55
